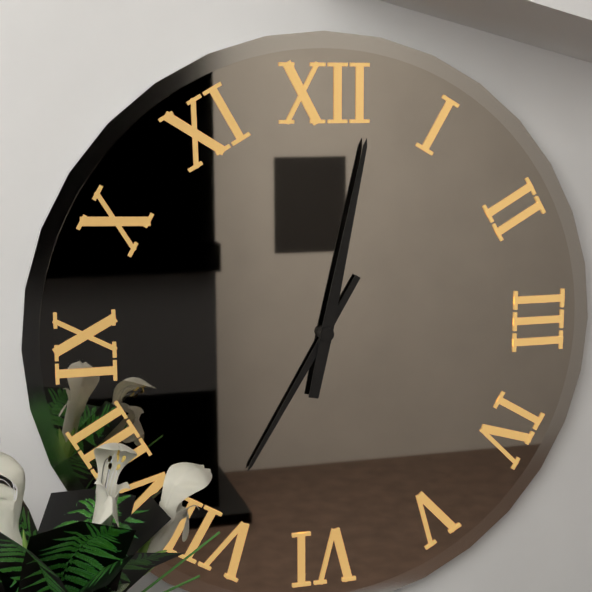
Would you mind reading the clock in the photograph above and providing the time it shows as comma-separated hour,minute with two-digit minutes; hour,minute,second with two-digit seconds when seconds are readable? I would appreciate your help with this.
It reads 7,02
